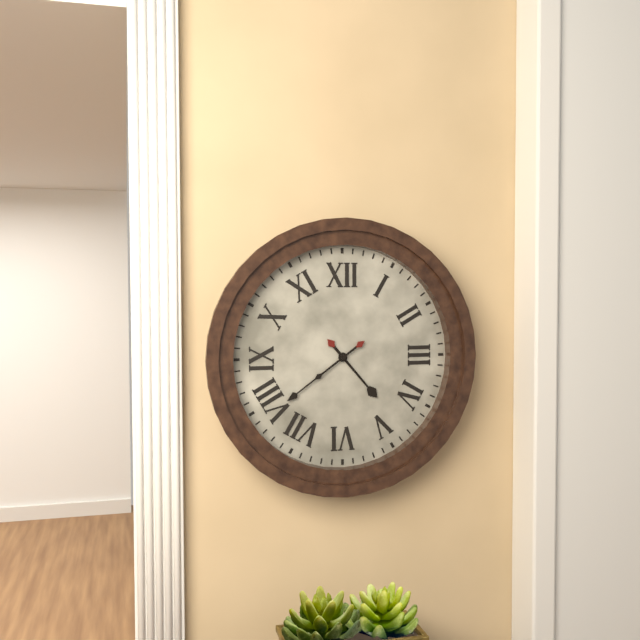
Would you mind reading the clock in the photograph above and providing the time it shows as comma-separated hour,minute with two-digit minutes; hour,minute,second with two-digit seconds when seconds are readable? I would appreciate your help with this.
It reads 4,39
